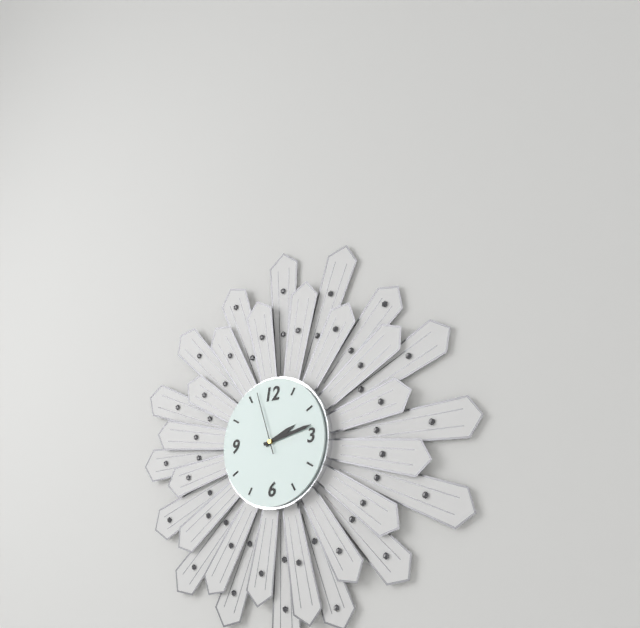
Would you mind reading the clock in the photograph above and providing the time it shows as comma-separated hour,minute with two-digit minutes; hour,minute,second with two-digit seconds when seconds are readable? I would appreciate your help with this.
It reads 2,13,57
